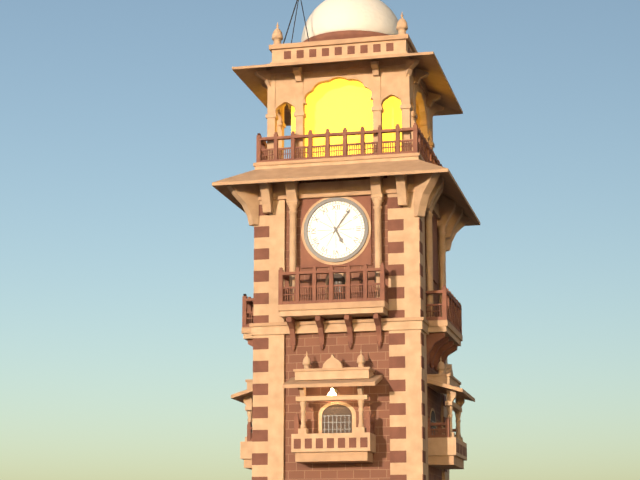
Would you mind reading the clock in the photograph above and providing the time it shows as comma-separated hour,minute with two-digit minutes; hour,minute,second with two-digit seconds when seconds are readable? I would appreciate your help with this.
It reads 5,06
